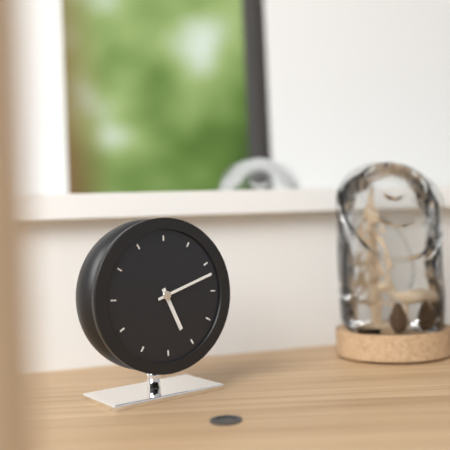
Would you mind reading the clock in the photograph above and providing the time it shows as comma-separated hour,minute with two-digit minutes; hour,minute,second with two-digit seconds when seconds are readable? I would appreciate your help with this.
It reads 5,12
